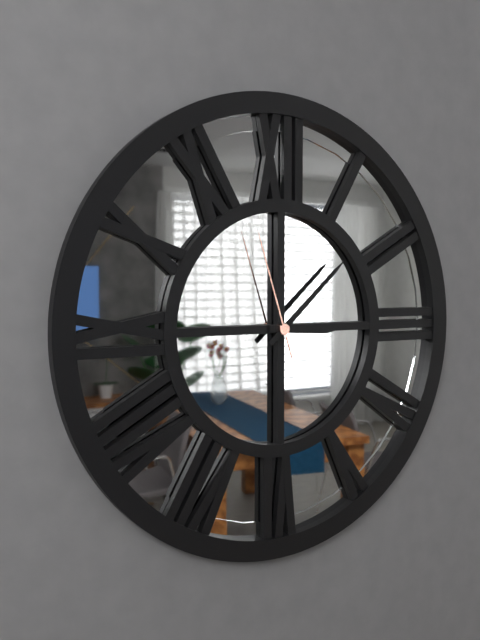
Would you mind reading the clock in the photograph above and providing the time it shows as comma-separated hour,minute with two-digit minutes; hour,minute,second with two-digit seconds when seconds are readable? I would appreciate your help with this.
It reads 3,08,57
